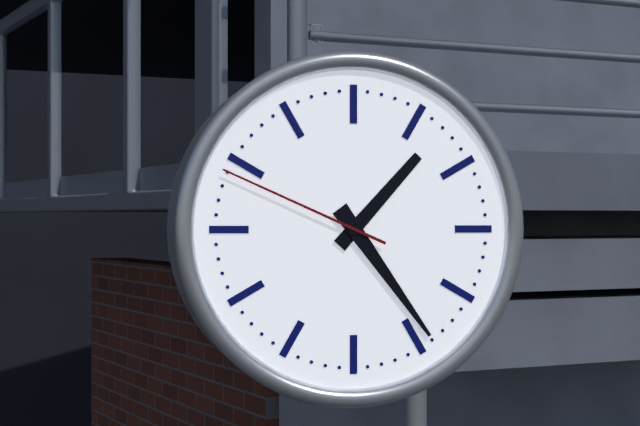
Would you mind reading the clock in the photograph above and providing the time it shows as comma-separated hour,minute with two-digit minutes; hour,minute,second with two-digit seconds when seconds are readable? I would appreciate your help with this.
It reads 1,24,49
